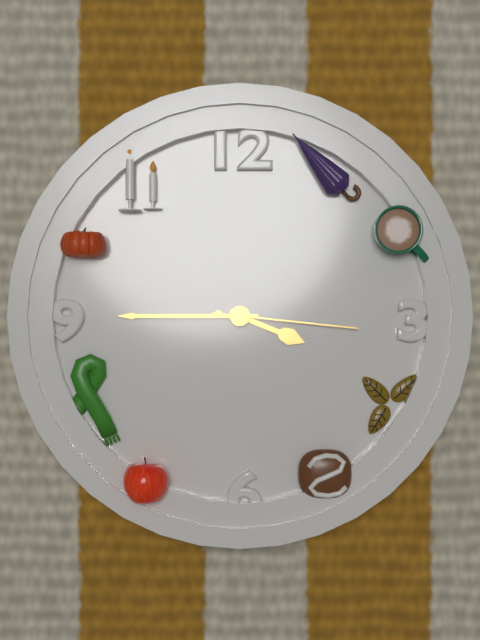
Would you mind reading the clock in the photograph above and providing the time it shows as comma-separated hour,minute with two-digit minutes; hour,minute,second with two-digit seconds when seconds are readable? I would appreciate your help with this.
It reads 3,45,16
